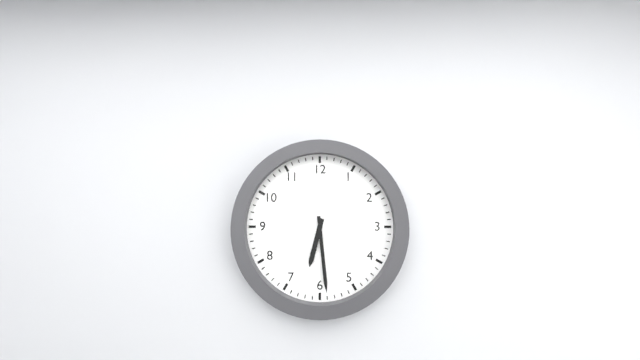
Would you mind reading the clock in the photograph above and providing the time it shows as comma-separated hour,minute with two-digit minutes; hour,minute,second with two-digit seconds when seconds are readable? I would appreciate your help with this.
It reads 6,29
